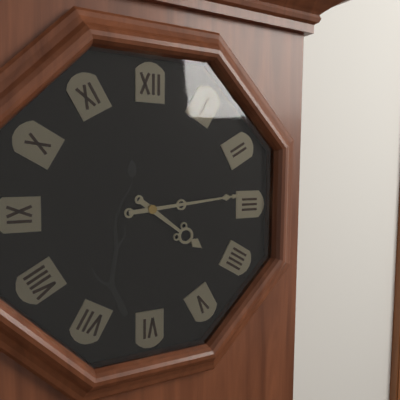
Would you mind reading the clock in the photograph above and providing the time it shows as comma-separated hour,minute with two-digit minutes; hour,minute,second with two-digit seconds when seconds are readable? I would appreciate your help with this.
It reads 4,14
